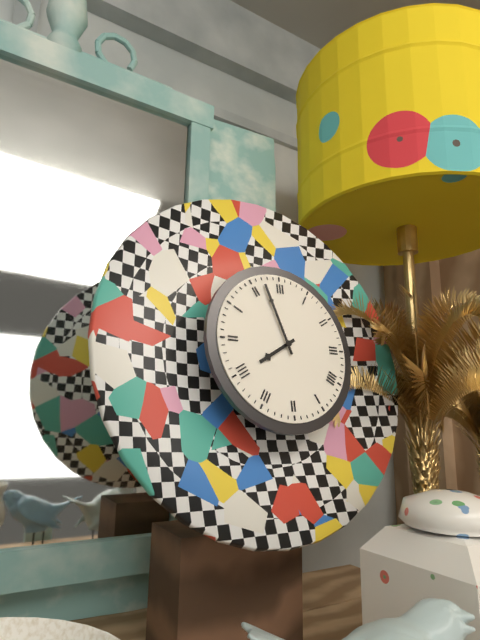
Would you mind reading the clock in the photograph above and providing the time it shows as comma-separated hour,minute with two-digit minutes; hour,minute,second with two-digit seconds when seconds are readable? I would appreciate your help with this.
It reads 7,57
